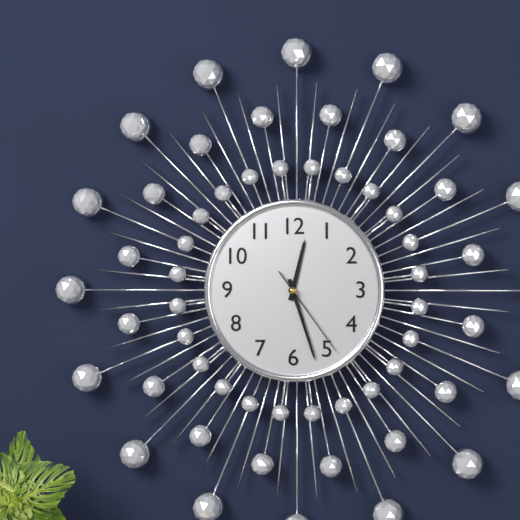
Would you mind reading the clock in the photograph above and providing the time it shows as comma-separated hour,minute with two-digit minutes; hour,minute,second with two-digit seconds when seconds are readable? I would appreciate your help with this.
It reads 12,27,24
